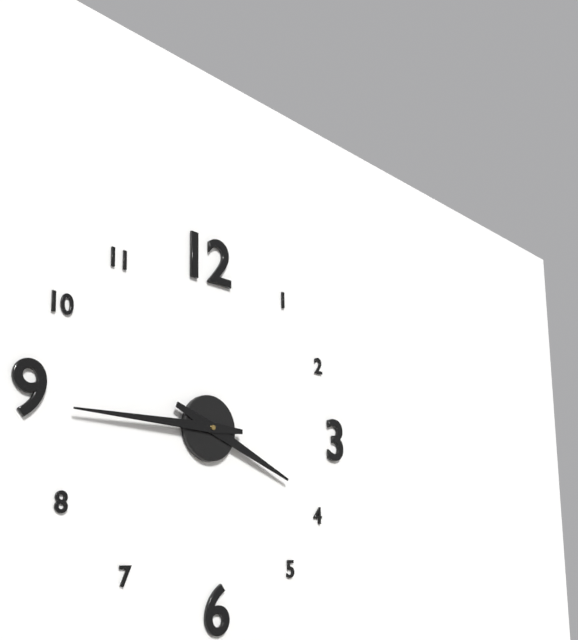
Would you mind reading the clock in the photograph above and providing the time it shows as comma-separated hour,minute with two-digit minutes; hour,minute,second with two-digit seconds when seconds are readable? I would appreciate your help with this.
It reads 3,45
